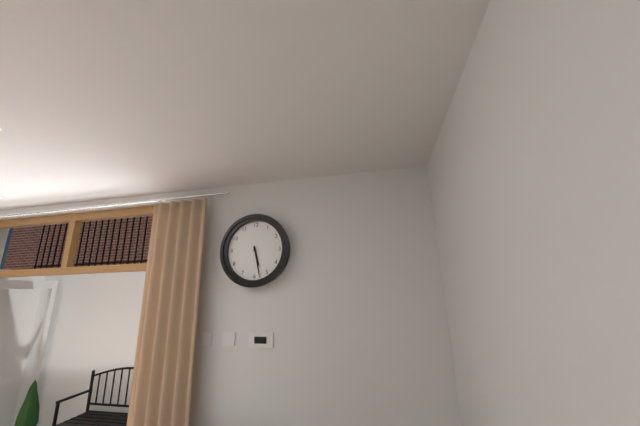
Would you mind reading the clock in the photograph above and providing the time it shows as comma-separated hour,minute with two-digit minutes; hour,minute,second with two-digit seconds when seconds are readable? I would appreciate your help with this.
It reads 5,28
